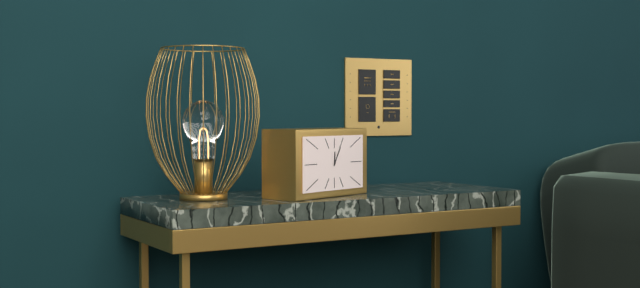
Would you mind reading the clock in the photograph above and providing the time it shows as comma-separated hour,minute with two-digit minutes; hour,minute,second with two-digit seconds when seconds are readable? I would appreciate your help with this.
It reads 12,05
